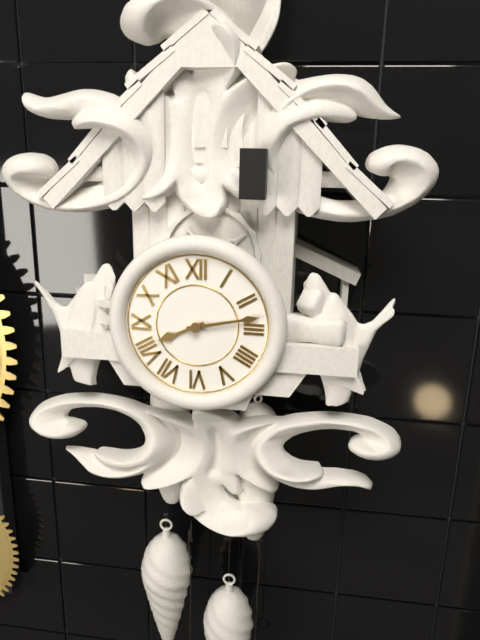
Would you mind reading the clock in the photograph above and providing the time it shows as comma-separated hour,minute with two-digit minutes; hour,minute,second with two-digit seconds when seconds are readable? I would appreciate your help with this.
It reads 8,13
